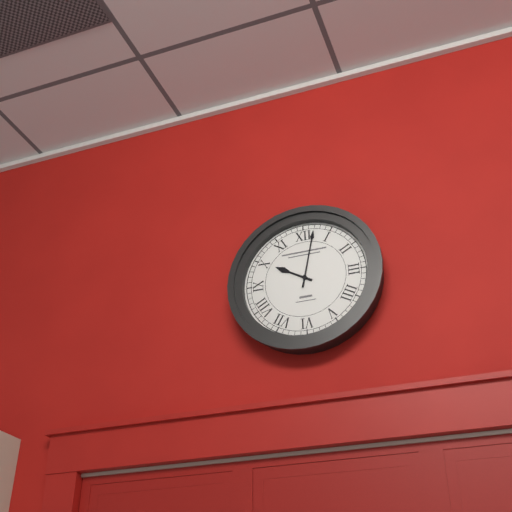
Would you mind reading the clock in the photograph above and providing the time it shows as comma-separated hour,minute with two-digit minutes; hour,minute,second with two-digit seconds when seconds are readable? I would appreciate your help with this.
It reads 10,02
